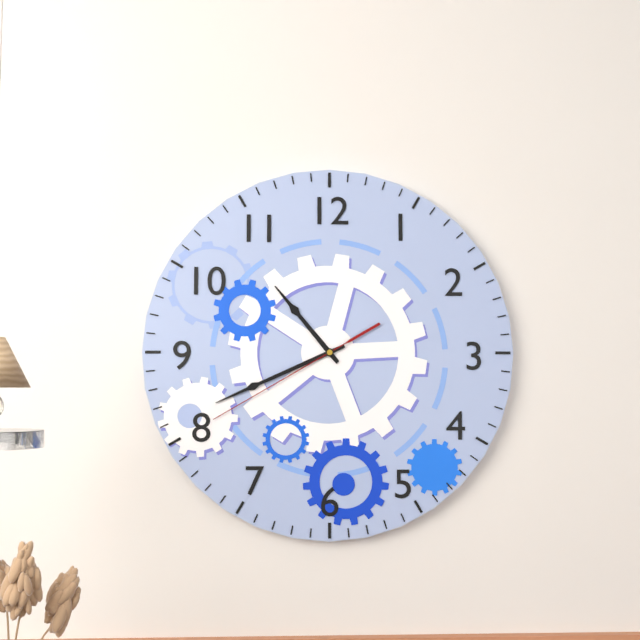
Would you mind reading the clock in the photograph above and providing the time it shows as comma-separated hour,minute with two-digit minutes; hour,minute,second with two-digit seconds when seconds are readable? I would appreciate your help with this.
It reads 10,41,40
